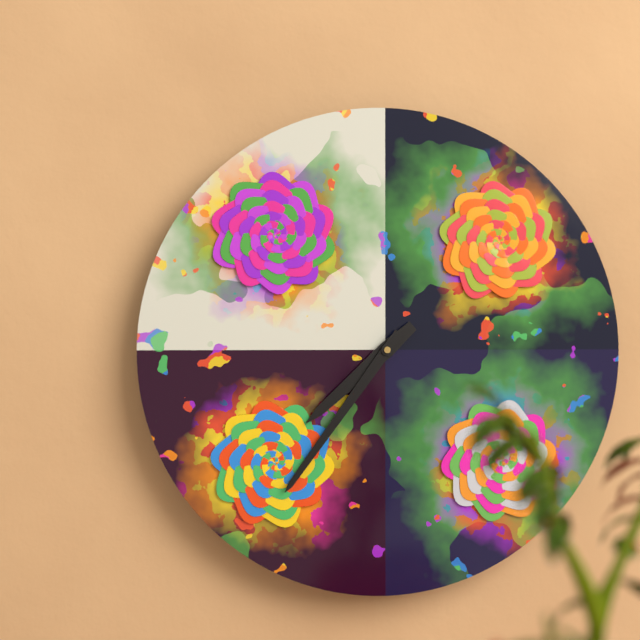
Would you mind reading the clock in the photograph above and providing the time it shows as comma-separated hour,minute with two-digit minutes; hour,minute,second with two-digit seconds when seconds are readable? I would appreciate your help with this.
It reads 7,36
